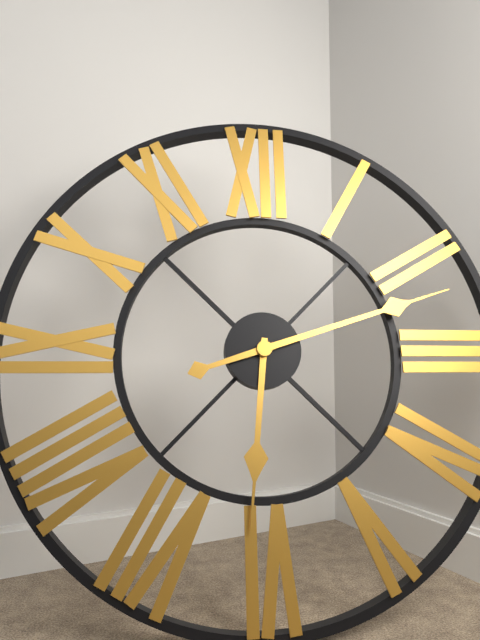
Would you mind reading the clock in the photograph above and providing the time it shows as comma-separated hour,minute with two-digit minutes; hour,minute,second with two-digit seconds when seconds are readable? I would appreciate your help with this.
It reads 6,12
